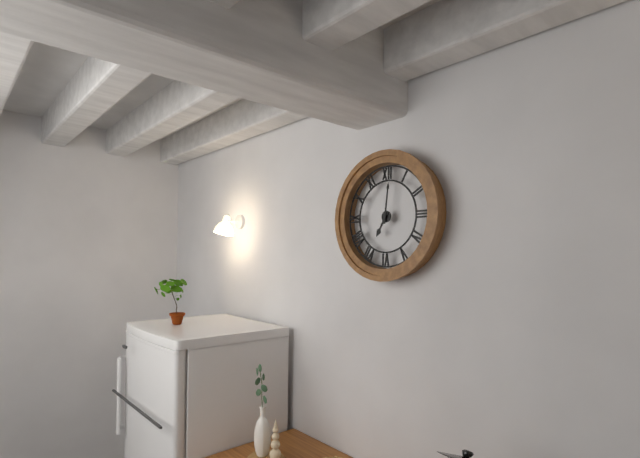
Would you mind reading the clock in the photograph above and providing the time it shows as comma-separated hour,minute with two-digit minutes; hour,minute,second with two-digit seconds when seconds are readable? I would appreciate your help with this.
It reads 7,01
